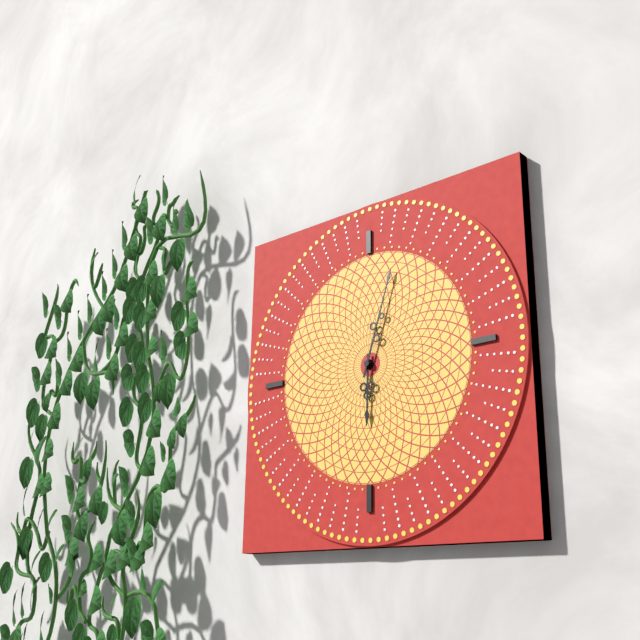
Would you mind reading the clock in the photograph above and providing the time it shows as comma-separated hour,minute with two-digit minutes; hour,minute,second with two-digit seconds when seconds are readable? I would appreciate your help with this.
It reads 6,03
